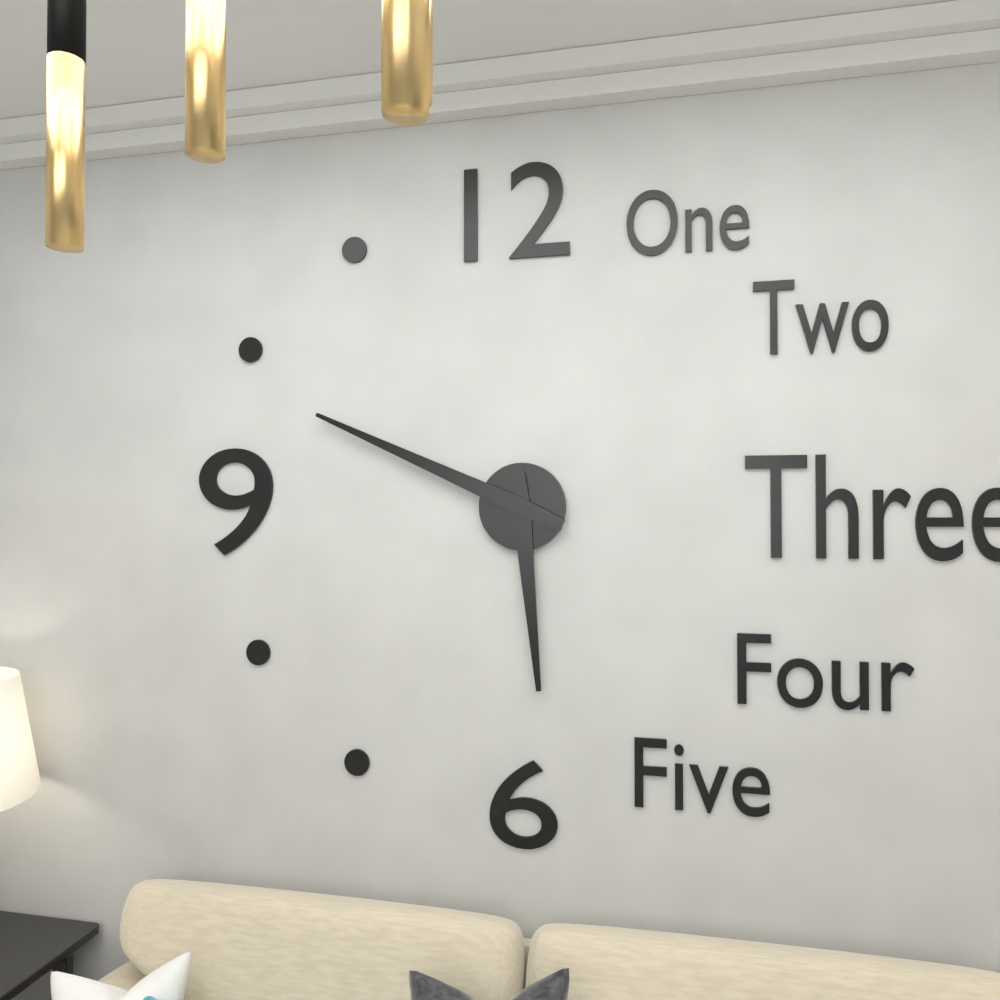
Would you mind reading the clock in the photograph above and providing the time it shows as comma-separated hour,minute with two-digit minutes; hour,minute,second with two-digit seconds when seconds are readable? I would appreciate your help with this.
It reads 5,49
